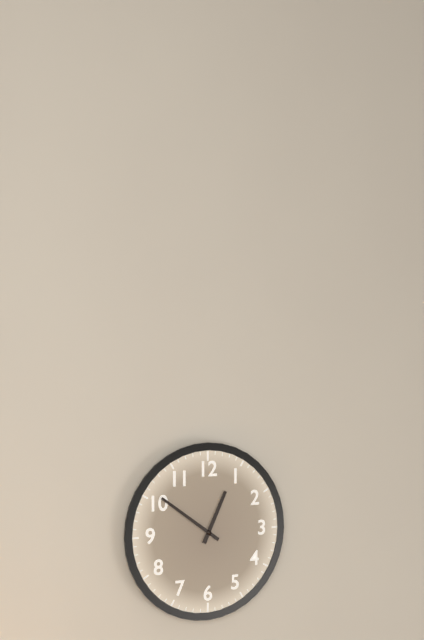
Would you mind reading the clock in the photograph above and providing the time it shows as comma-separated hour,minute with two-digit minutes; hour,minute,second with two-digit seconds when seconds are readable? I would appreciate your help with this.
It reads 12,51
